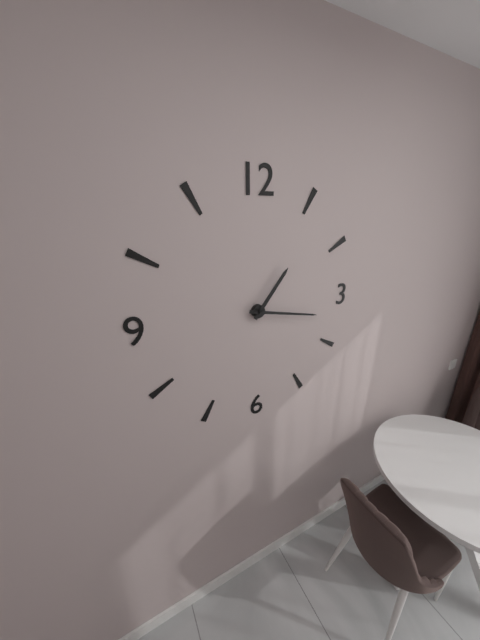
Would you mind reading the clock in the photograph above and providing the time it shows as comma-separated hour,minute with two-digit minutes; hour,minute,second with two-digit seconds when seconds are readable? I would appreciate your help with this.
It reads 1,17
